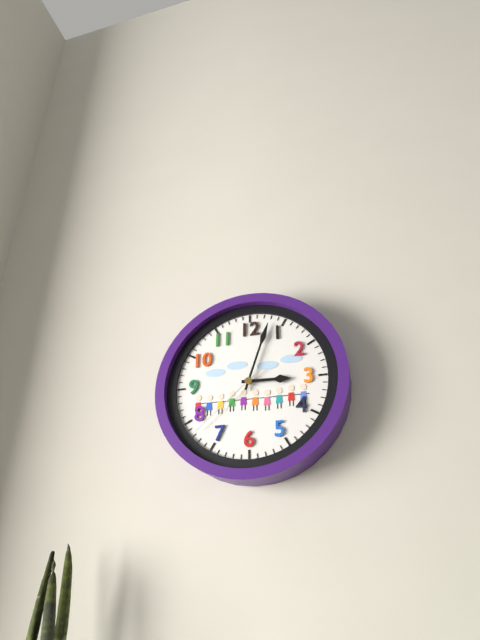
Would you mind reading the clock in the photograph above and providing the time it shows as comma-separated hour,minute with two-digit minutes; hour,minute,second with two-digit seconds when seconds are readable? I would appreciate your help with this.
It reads 3,03,38
